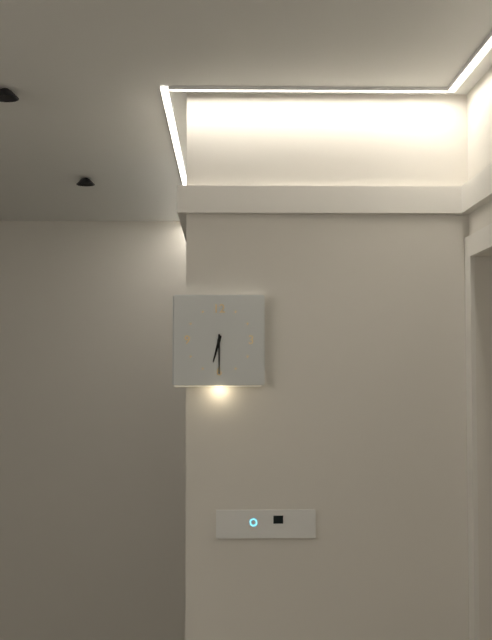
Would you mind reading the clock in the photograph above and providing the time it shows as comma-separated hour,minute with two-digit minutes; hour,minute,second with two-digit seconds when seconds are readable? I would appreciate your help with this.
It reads 6,30
